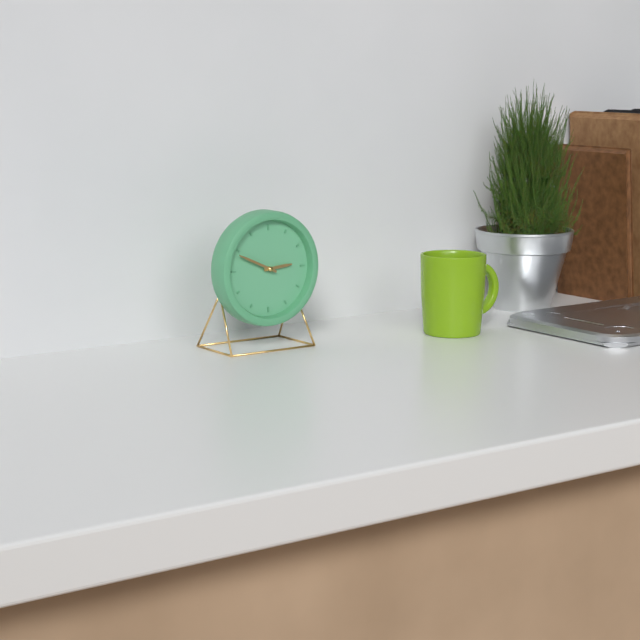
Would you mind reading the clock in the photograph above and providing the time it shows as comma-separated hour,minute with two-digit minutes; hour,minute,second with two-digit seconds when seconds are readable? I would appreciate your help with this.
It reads 2,49
